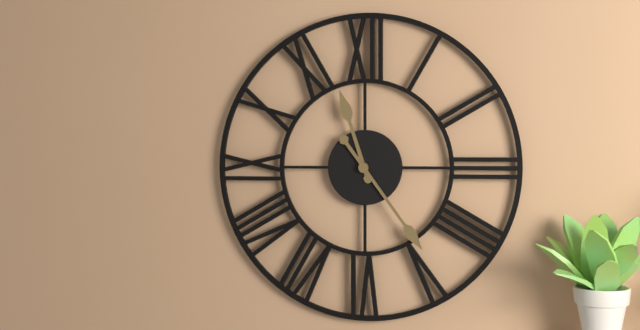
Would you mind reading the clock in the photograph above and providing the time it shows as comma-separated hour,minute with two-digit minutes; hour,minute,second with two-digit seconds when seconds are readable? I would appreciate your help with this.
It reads 11,24
